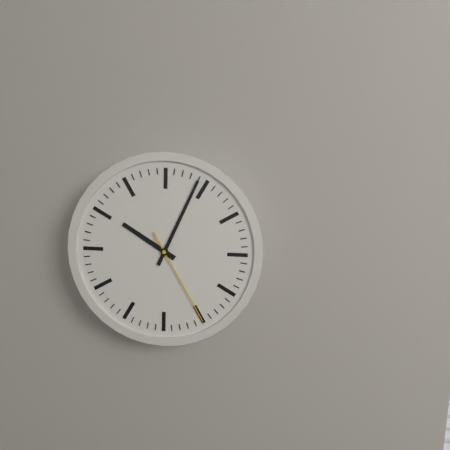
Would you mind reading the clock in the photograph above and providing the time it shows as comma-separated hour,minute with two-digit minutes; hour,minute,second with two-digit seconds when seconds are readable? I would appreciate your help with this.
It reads 10,04,25
